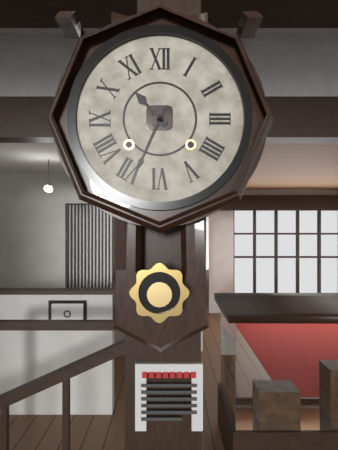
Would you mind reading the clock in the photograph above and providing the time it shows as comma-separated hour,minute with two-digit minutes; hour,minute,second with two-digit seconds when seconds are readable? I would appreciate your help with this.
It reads 10,34
